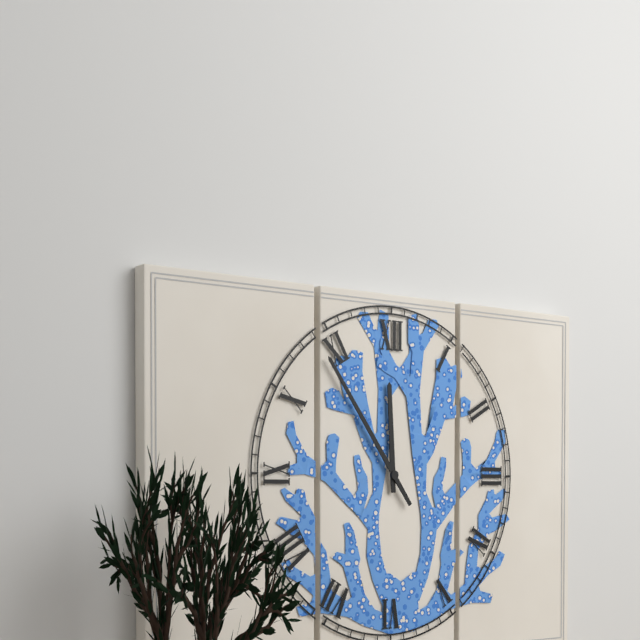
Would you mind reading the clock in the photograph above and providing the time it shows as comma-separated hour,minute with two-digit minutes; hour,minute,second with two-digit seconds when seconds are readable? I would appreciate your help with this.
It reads 11,54
